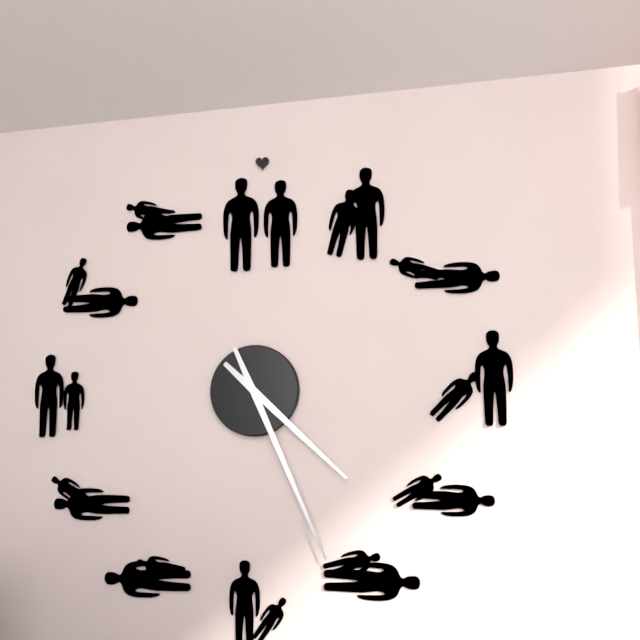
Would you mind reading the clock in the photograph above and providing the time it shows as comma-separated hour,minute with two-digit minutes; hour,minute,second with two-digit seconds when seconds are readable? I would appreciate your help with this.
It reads 4,26
